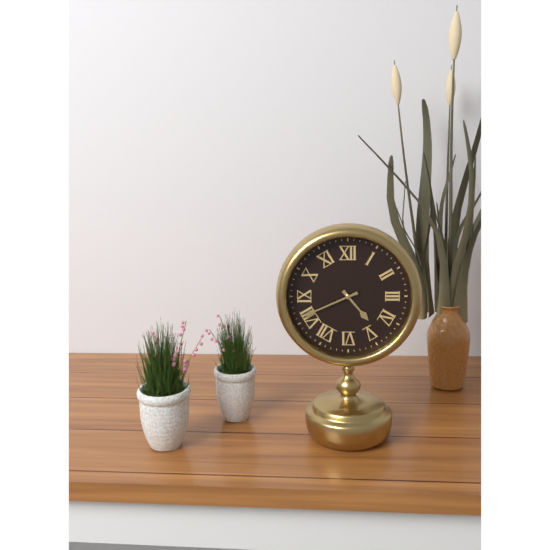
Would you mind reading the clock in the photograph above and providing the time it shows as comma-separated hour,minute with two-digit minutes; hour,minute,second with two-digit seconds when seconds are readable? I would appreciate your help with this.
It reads 4,41
